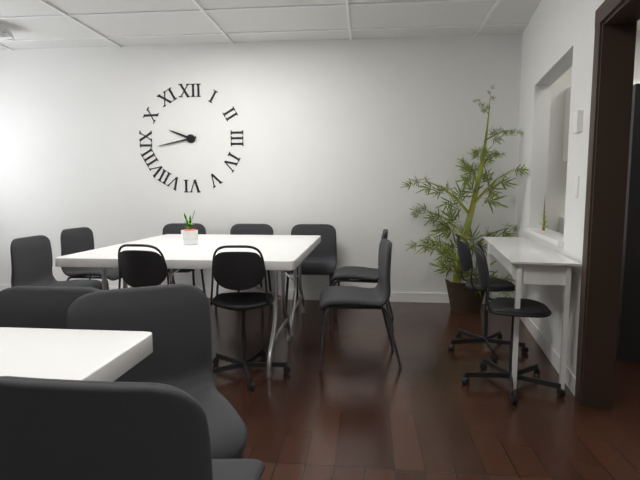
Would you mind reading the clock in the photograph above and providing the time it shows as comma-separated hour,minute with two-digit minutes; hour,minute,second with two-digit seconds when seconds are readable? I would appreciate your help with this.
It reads 9,43
